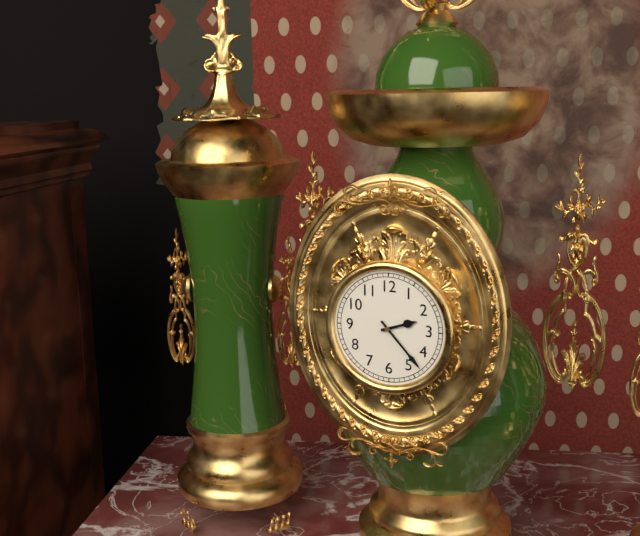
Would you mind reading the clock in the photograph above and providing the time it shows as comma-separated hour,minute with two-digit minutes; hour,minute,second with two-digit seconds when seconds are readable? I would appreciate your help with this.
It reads 2,23
